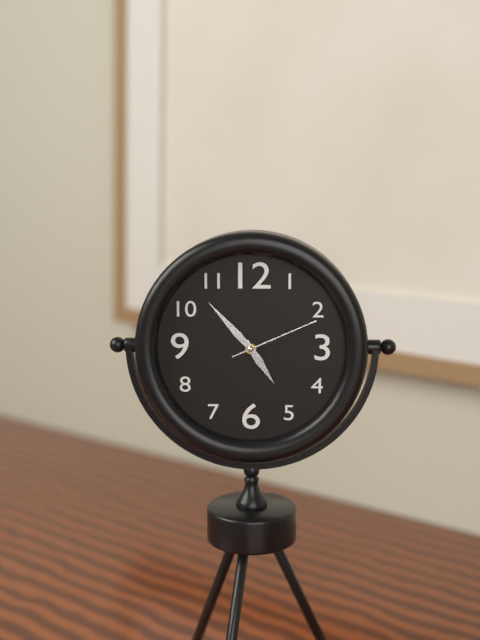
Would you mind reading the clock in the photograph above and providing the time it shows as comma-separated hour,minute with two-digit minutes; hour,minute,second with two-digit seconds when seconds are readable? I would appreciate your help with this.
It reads 4,53,11
